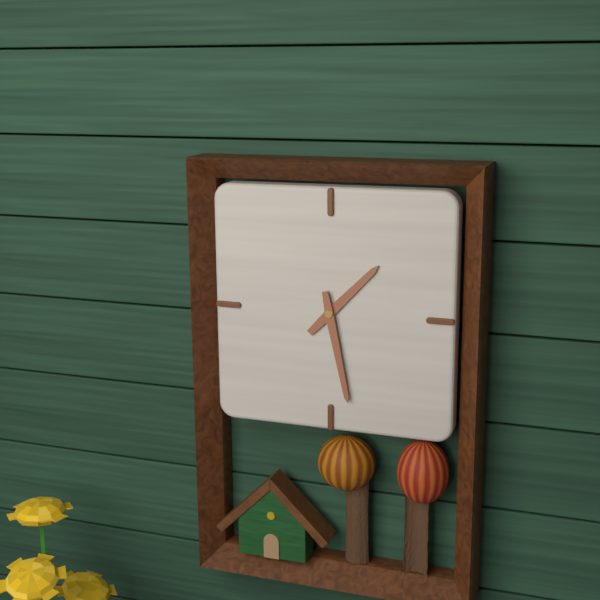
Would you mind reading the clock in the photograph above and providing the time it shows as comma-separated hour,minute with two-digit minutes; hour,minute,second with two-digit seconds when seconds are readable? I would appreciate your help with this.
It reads 1,28
